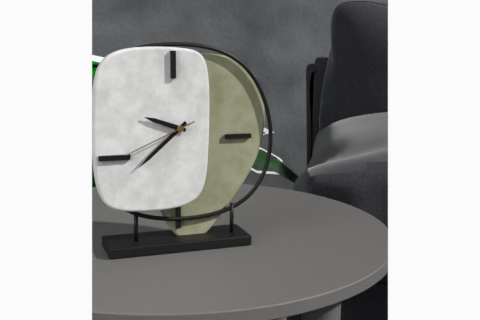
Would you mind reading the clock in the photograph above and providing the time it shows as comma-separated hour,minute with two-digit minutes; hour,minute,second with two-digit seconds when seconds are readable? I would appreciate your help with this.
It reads 9,38,41
